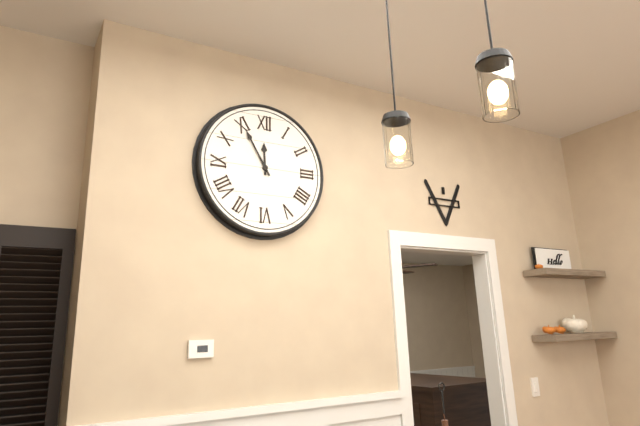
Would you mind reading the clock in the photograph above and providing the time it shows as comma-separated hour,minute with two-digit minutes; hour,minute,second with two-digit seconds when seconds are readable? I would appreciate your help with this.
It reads 11,55
